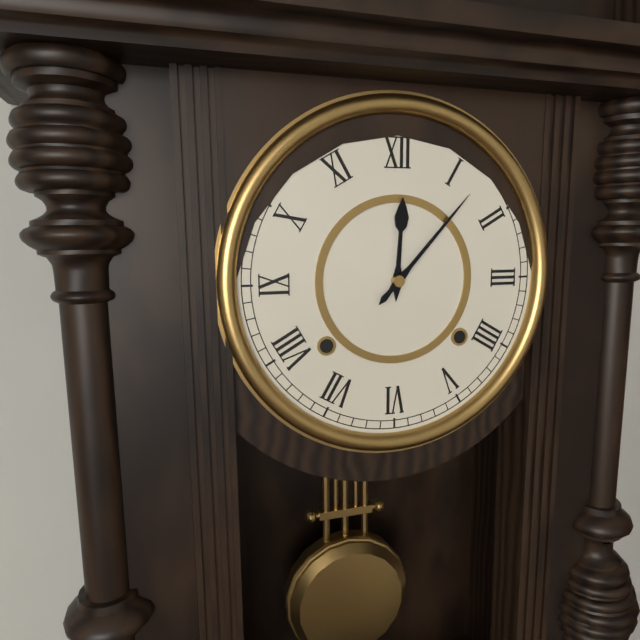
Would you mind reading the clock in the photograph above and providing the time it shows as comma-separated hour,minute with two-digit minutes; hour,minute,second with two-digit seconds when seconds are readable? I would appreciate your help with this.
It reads 12,07
